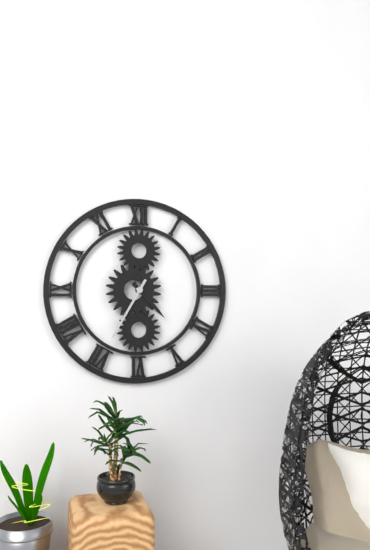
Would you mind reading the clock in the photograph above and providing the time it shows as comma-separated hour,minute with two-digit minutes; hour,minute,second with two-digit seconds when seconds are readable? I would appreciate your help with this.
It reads 4,35
